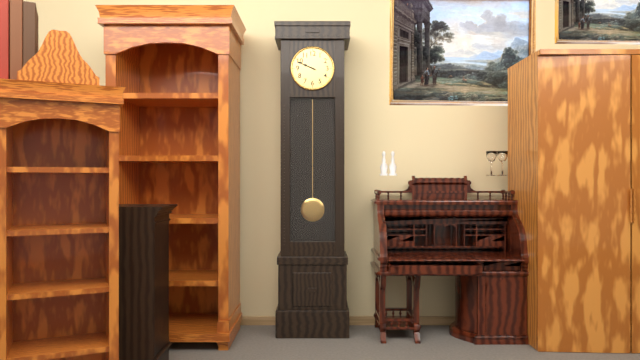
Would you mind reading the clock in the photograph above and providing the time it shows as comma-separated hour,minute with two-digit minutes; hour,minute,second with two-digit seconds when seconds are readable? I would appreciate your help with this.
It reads 9,49
